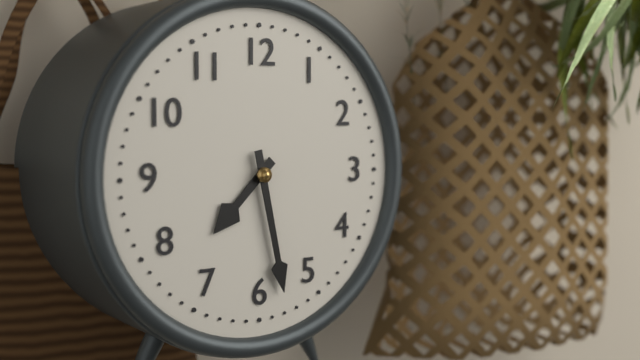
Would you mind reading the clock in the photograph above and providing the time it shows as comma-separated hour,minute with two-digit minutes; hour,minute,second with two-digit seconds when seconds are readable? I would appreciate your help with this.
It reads 7,28
